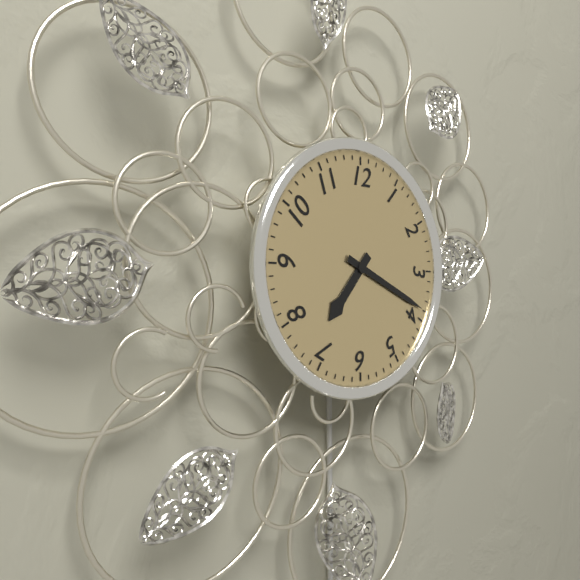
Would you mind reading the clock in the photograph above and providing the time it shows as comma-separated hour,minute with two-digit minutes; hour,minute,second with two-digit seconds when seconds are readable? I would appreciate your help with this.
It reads 7,19
